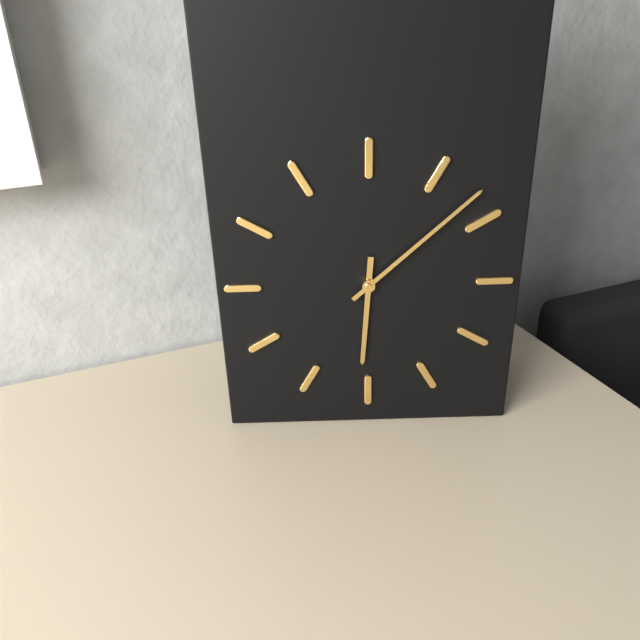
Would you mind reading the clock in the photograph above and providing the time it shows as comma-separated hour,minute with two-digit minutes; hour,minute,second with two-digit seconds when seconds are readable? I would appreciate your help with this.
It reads 6,08
